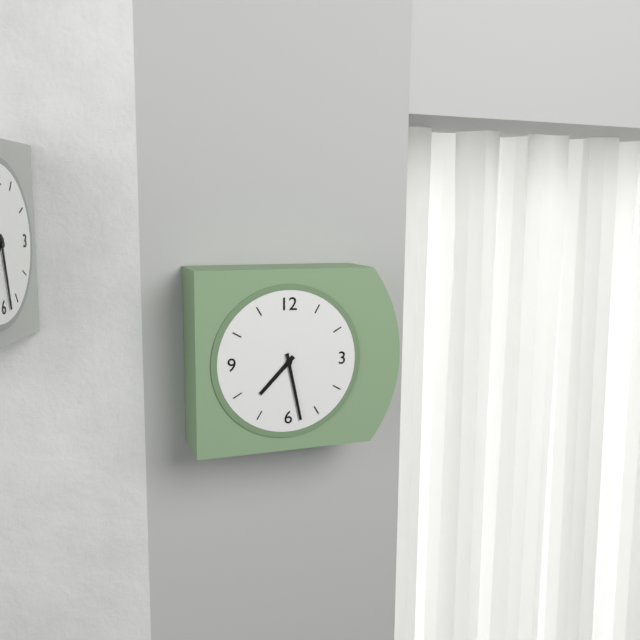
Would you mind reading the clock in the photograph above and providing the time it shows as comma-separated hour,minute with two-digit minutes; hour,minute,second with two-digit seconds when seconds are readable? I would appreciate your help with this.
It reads 7,28
